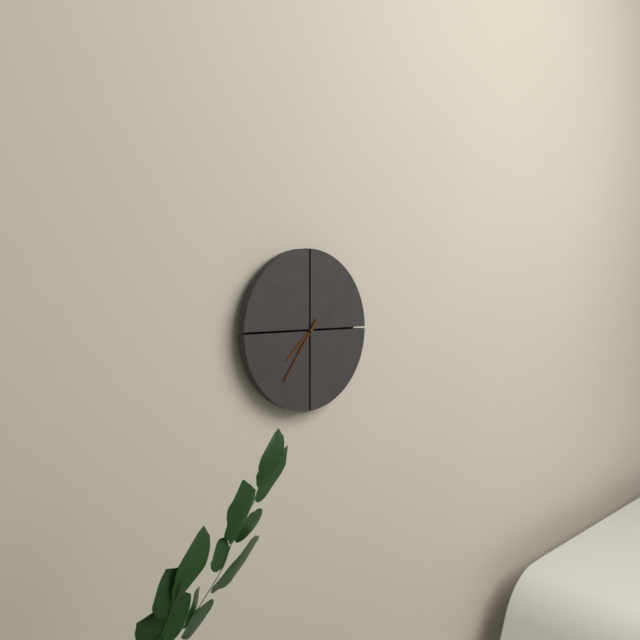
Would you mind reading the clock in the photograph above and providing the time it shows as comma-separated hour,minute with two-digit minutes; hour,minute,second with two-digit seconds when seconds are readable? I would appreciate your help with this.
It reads 7,36
